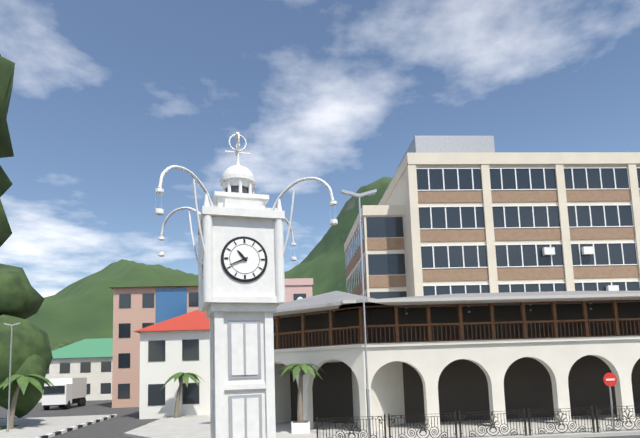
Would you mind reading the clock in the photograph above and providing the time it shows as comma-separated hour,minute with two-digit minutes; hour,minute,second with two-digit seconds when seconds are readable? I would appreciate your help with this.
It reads 10,41
